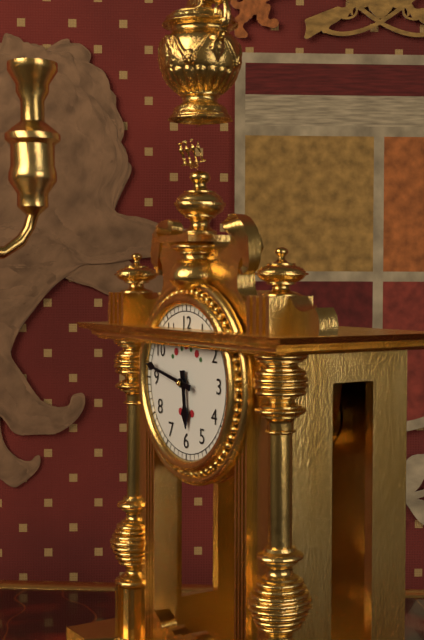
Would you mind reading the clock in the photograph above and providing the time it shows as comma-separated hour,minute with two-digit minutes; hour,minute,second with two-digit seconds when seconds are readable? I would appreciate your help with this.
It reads 5,47
